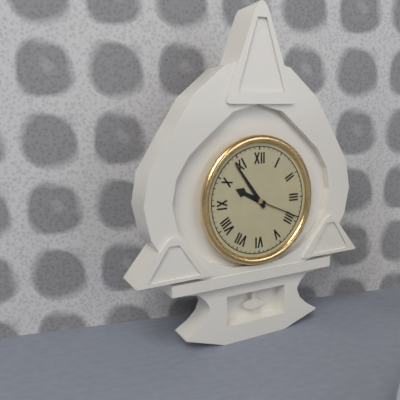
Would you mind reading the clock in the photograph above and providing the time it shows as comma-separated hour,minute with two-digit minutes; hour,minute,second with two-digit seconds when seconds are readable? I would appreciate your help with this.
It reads 9,54,19
